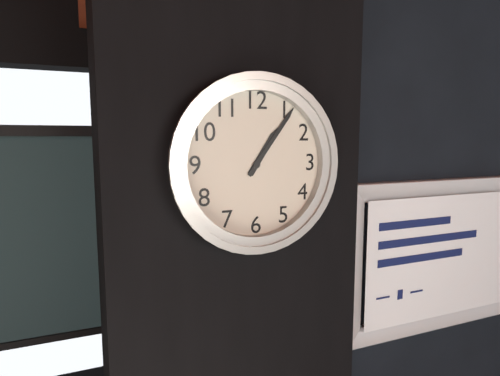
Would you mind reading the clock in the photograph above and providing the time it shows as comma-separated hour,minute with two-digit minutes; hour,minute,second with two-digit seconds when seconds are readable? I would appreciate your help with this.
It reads 1,06
